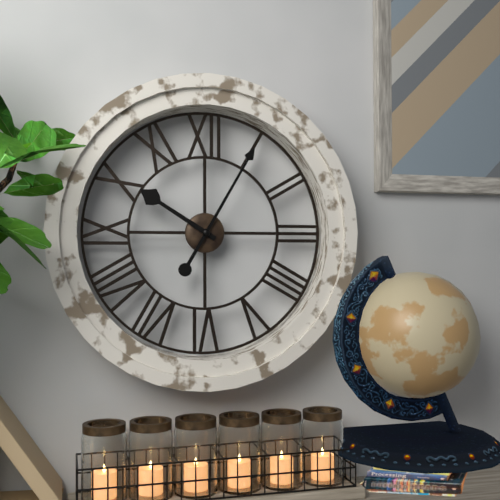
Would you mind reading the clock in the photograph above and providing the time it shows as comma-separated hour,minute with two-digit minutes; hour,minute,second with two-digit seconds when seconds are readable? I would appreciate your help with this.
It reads 10,05
